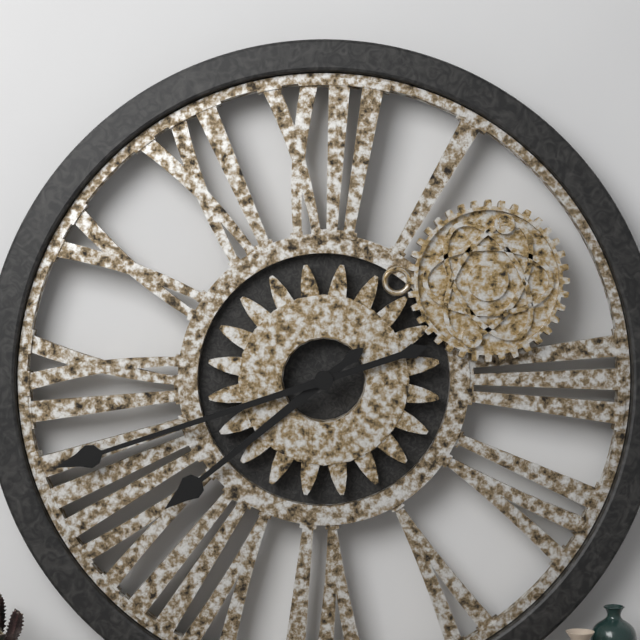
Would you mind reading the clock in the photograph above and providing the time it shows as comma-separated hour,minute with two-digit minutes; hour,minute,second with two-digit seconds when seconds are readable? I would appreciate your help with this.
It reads 7,42
